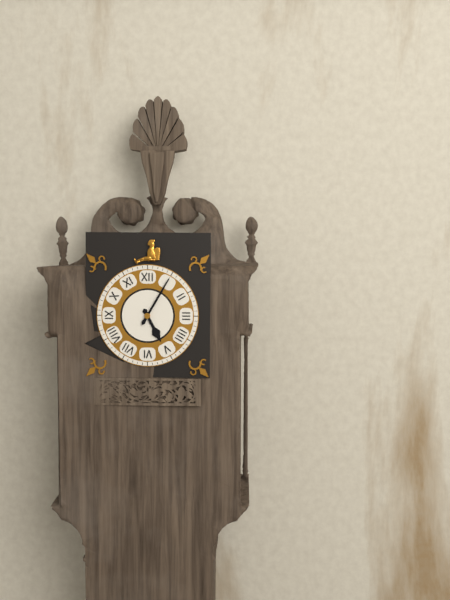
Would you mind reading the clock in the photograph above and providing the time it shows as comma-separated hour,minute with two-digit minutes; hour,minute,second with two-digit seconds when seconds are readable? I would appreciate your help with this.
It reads 5,05
